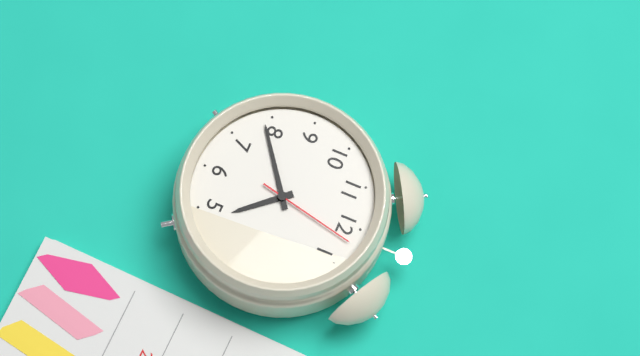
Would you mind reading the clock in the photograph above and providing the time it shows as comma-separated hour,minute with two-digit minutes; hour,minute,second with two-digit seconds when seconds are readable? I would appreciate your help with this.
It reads 4,39,02
